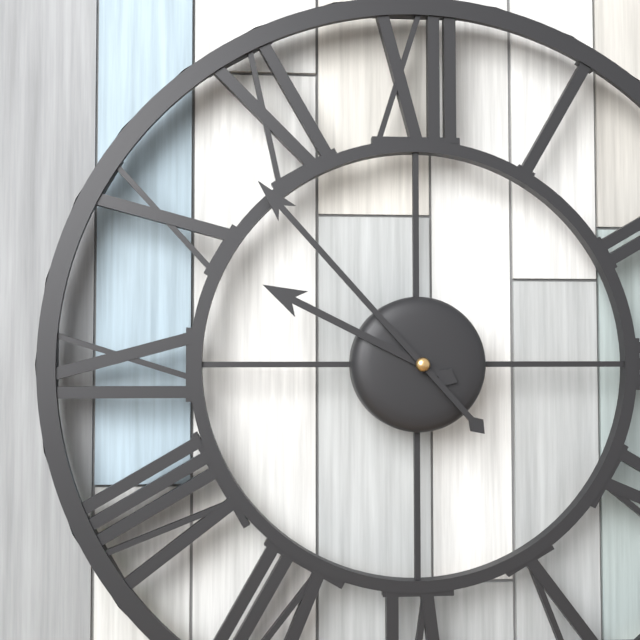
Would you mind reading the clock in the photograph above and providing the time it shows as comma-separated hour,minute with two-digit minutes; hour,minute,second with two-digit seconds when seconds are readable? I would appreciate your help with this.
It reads 9,53
